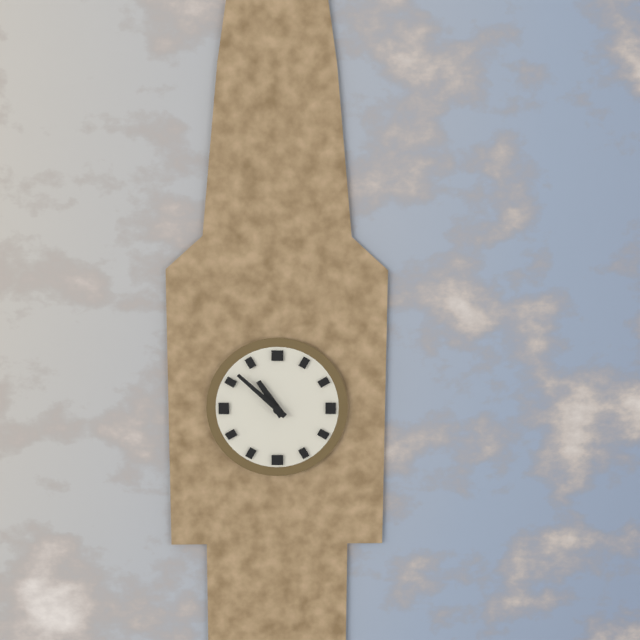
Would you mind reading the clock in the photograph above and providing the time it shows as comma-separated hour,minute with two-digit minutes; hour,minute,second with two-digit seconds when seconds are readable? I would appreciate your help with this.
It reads 10,52
